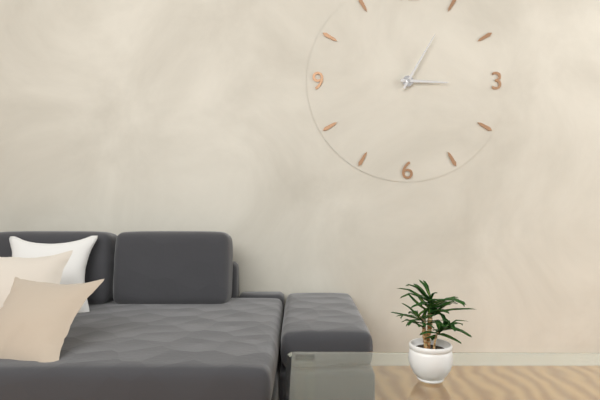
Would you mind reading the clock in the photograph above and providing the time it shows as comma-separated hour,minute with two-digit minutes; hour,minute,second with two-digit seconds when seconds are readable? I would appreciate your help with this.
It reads 3,05
